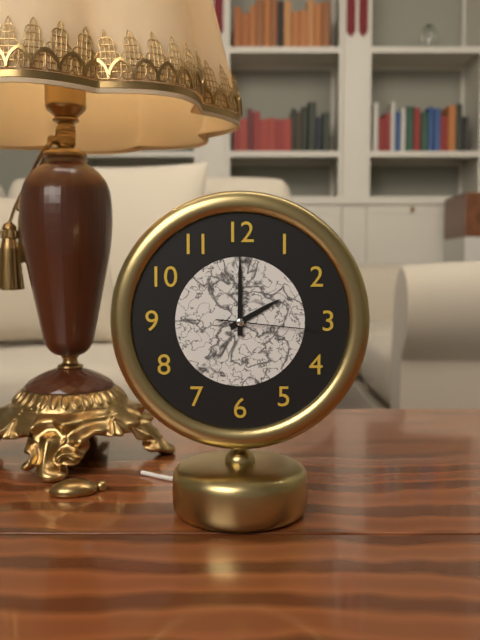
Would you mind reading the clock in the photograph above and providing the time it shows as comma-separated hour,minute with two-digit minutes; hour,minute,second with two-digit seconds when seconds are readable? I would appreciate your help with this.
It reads 2,00,16
